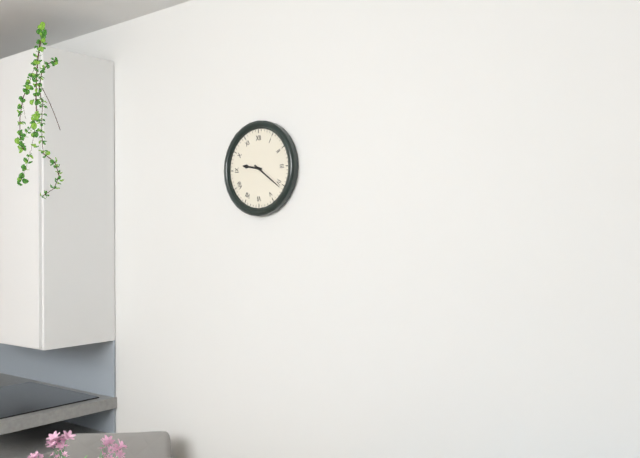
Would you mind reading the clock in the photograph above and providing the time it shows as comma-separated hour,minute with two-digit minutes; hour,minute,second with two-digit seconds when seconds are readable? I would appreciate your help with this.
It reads 9,21
